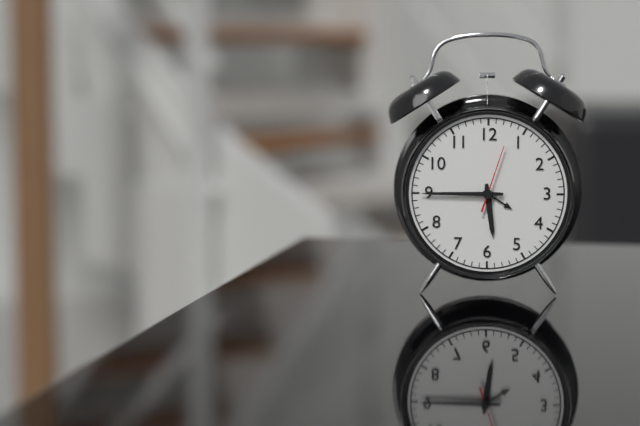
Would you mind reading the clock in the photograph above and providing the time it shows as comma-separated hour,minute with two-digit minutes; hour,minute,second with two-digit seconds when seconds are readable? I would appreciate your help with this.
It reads 5,45,03
